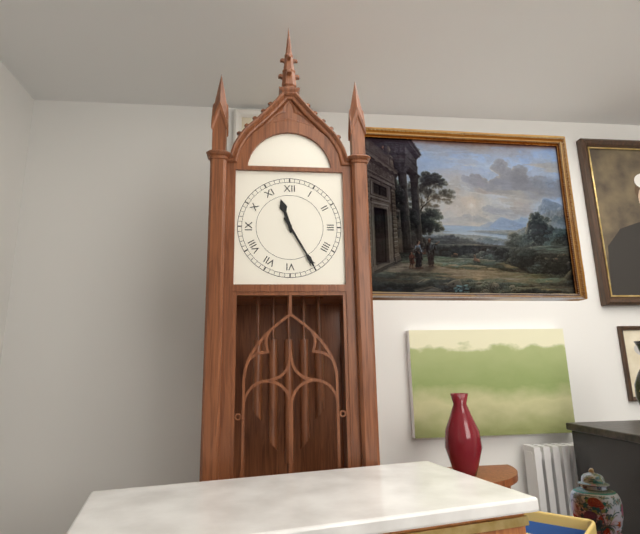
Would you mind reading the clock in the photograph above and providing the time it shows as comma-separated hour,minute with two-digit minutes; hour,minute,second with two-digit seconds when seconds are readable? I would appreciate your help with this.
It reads 11,25
